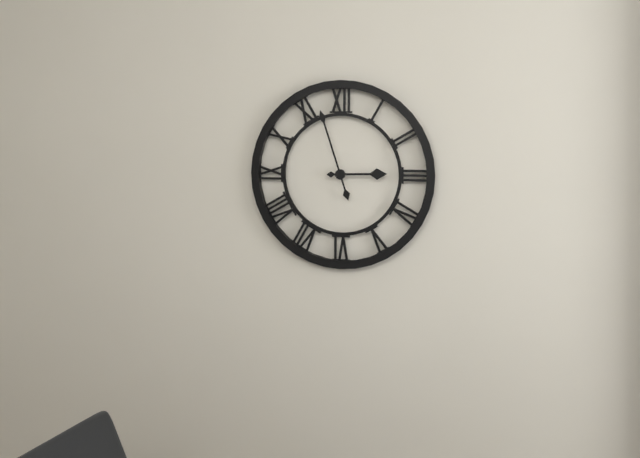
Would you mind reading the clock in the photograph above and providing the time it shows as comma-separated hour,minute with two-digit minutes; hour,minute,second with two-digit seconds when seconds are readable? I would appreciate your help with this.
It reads 2,57
